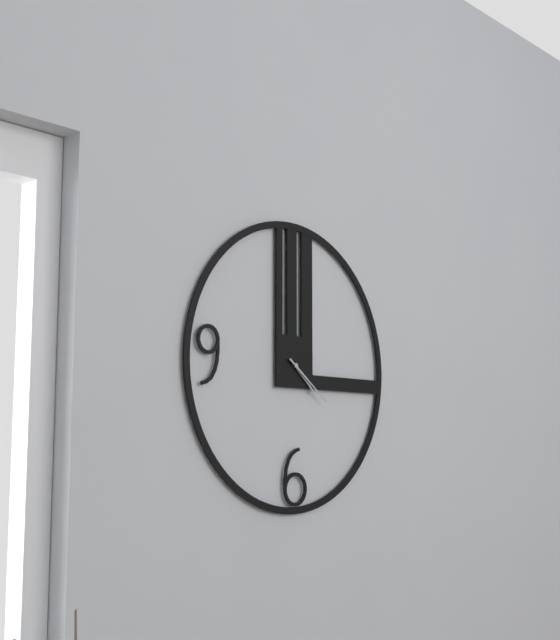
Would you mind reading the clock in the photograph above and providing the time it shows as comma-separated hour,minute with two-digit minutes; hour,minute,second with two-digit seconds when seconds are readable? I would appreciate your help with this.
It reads 4,21
